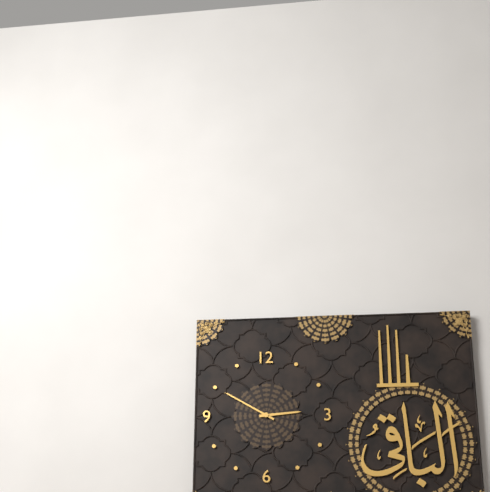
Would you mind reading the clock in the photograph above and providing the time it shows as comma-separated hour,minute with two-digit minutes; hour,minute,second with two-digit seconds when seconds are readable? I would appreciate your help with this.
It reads 2,50
